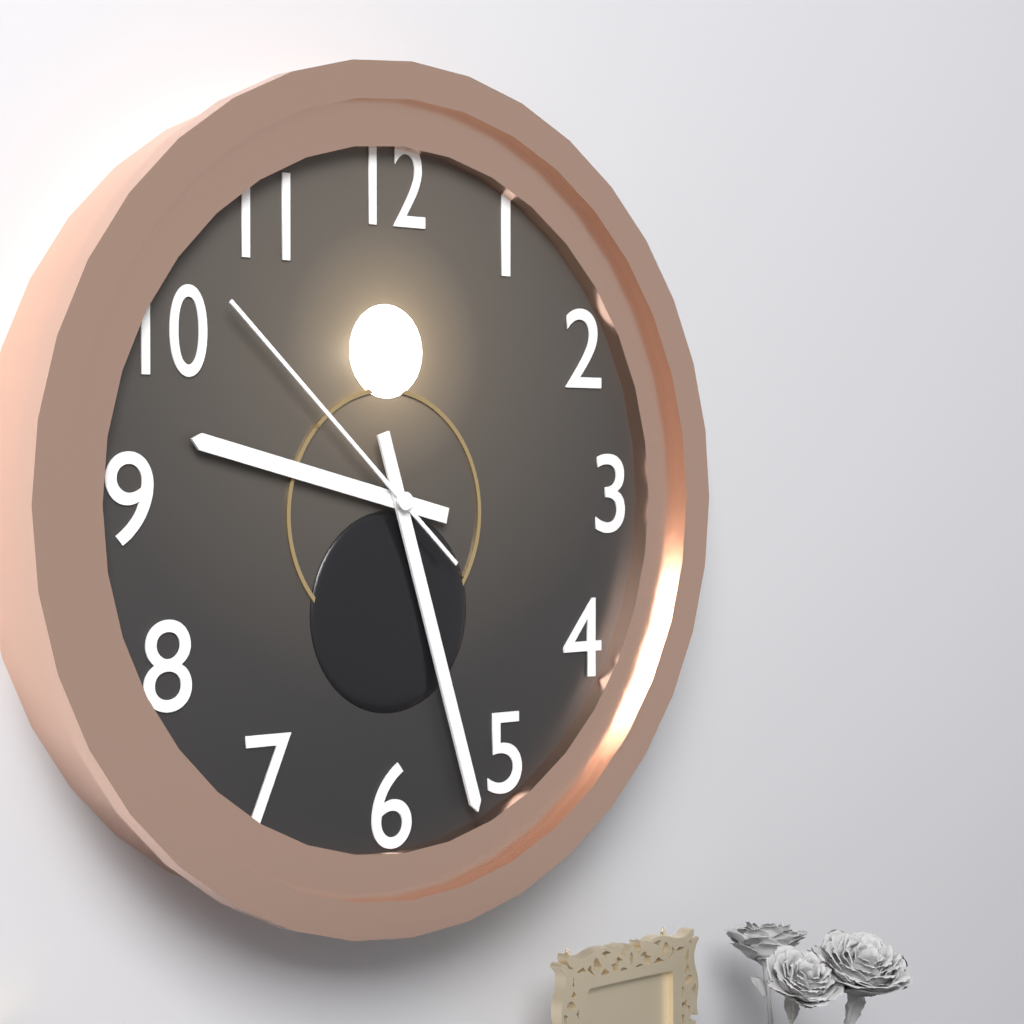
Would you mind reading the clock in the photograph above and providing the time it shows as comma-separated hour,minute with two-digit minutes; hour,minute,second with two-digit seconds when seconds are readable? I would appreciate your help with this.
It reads 9,27,52
